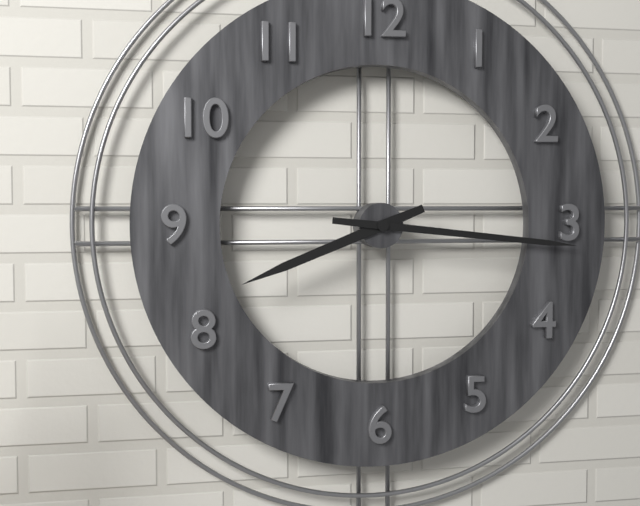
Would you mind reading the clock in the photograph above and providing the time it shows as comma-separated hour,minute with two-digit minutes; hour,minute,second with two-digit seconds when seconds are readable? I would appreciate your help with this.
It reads 8,16
